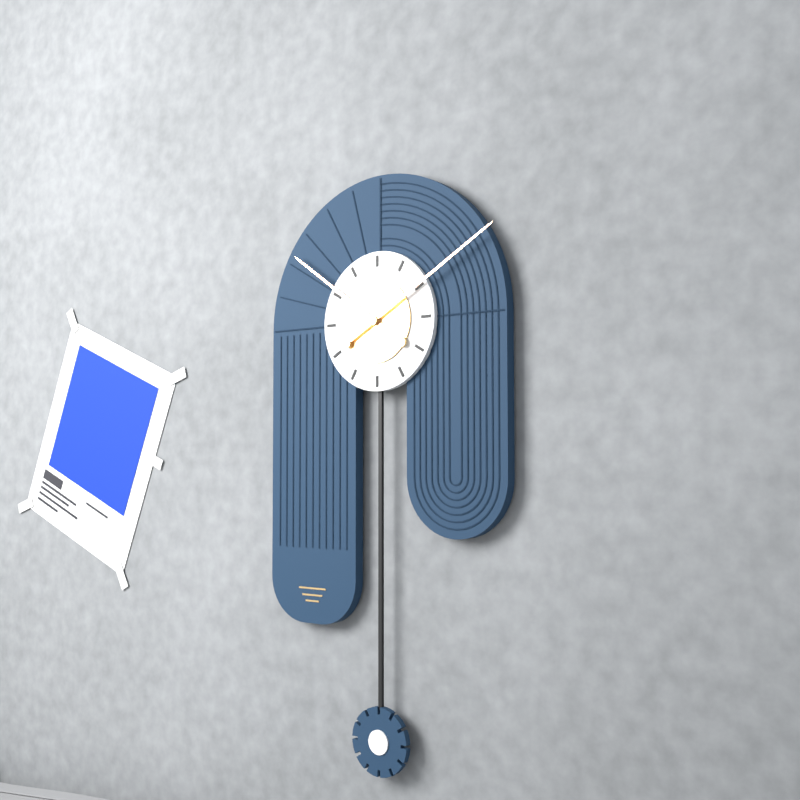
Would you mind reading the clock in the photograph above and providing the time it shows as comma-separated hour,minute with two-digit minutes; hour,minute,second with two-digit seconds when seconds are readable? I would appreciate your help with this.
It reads 10,10
